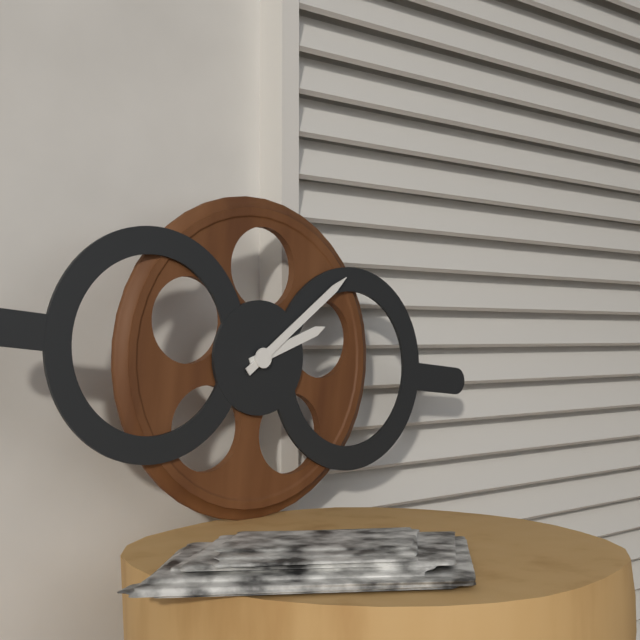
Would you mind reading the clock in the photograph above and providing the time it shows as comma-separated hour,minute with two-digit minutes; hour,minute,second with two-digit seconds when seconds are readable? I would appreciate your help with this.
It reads 2,08
